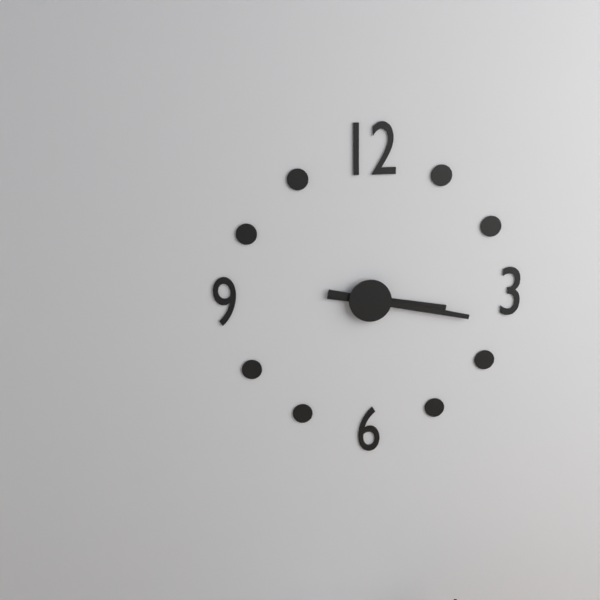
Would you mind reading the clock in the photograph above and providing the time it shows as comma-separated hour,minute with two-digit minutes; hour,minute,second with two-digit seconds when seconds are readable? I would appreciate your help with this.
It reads 3,17
